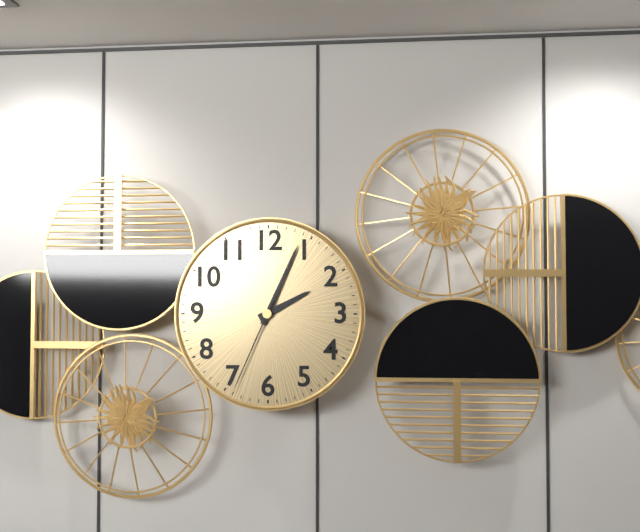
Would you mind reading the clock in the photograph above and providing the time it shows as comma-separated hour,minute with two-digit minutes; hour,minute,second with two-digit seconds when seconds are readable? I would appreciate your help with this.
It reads 2,04,34
